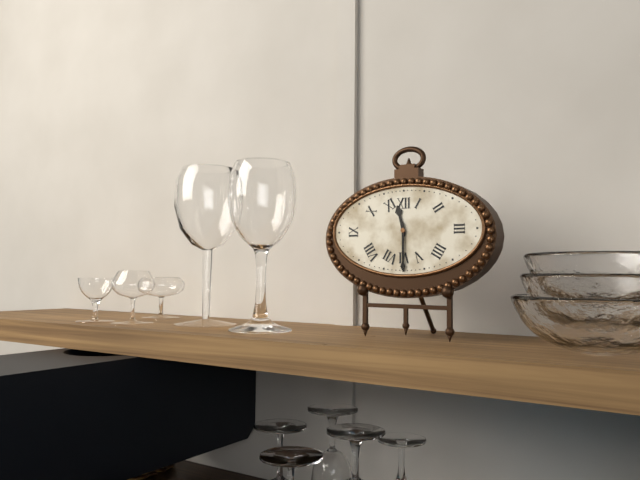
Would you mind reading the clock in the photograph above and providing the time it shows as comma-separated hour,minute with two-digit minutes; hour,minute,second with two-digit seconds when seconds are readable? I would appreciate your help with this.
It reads 11,30
